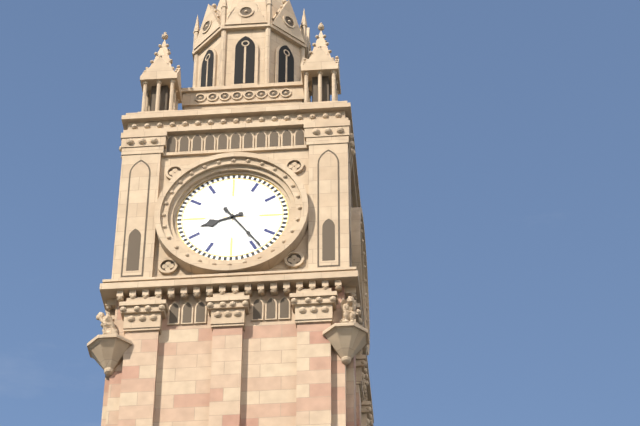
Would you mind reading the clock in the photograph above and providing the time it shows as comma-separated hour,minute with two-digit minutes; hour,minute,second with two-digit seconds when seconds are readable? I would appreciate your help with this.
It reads 8,24
